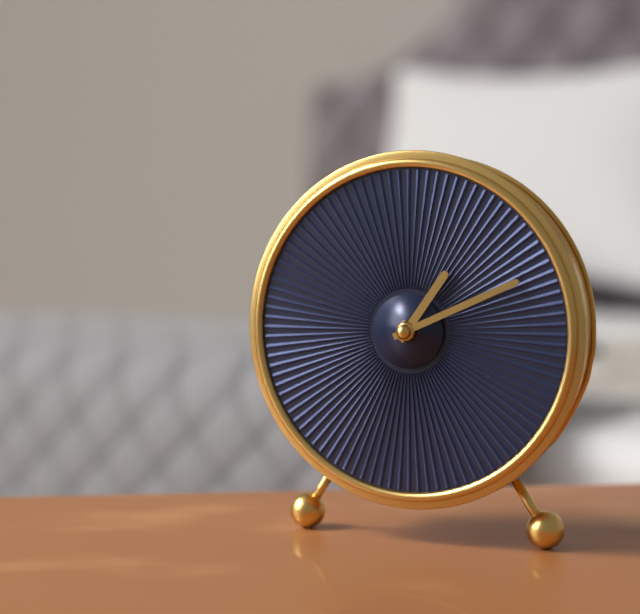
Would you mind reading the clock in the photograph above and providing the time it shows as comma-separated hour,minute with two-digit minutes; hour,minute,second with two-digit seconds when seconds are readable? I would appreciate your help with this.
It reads 1,11
